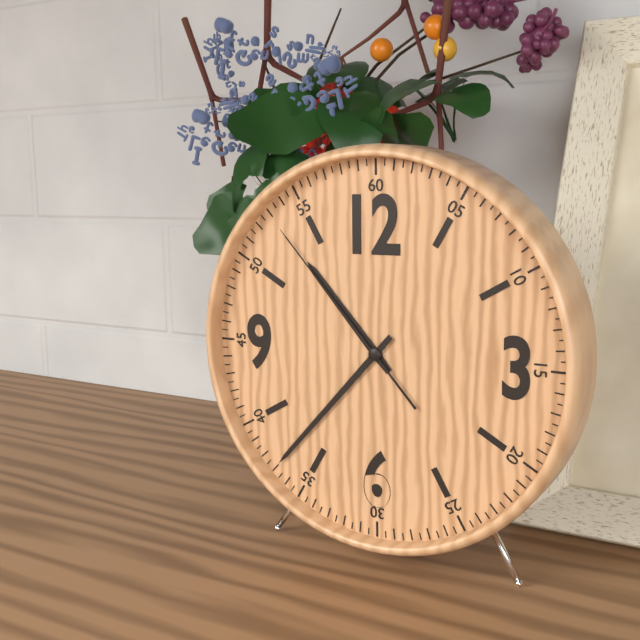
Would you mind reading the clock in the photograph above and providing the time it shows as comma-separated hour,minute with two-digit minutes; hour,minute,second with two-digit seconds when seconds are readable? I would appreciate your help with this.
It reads 10,37,53
